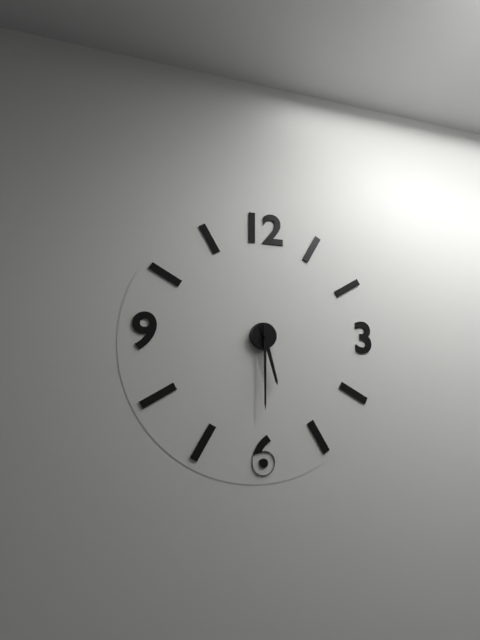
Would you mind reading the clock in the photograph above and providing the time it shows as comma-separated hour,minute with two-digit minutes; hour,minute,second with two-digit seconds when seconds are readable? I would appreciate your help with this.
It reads 5,30
